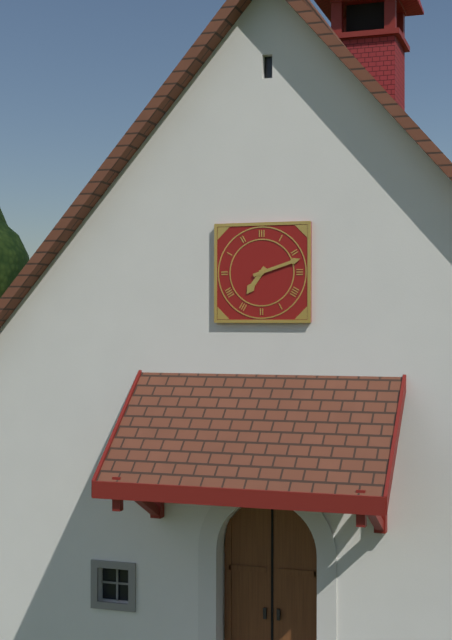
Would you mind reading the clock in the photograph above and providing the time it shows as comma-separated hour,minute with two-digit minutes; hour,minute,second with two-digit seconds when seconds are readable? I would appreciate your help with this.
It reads 7,12
